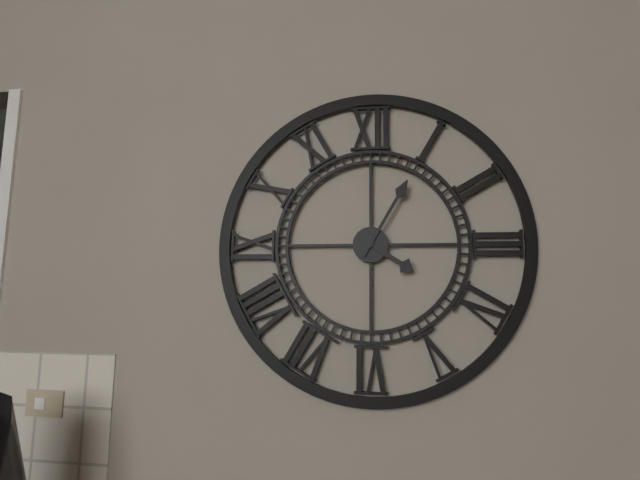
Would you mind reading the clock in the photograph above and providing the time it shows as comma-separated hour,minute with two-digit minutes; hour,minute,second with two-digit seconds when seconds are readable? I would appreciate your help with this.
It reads 4,05
